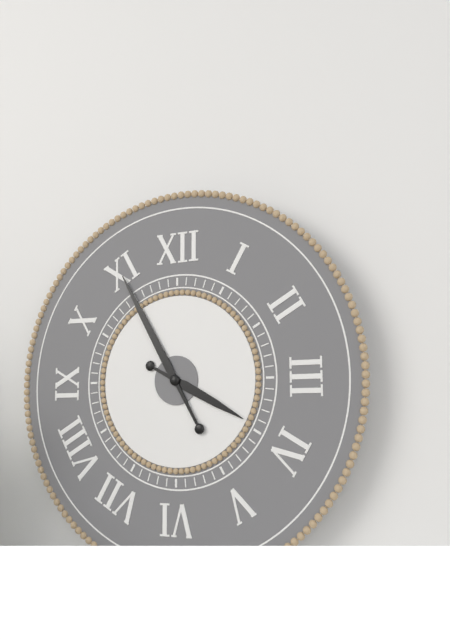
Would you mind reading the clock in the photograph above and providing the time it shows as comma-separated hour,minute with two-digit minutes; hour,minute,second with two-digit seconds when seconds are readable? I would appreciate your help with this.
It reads 3,55
